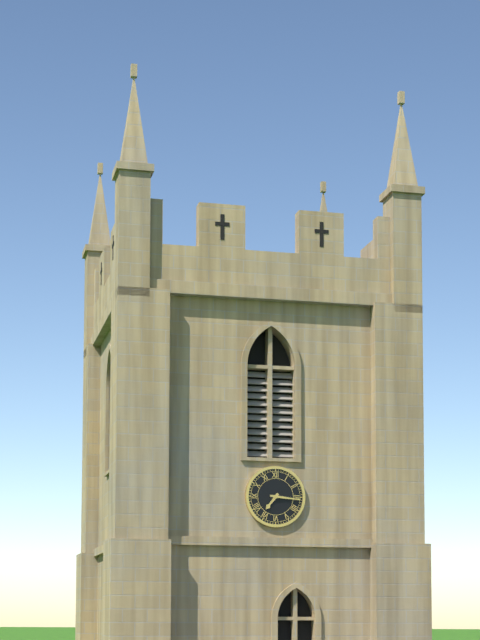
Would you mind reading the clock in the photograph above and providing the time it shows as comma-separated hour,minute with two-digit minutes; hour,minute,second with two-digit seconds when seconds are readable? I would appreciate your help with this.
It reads 7,16
